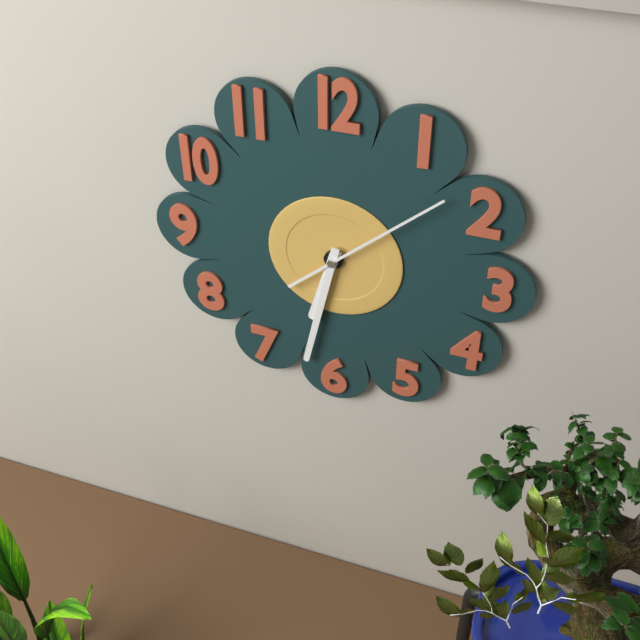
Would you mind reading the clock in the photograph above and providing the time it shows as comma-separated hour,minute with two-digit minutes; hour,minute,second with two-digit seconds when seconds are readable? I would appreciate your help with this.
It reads 6,32,08
